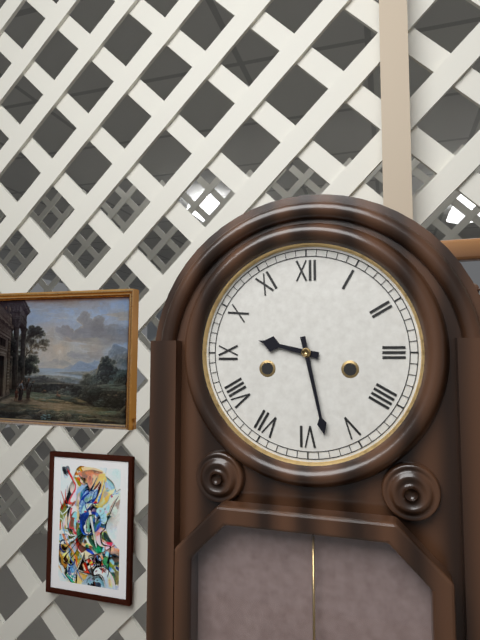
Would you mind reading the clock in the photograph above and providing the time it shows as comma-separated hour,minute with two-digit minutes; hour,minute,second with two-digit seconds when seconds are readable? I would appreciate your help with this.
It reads 9,28
